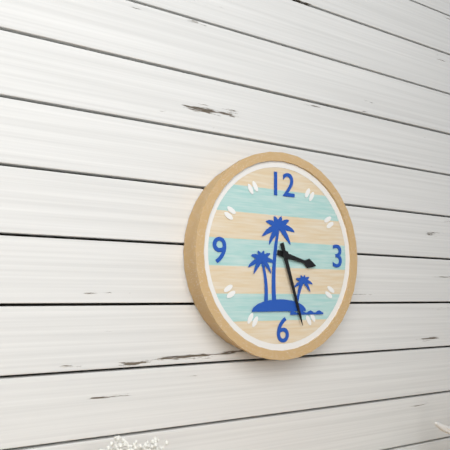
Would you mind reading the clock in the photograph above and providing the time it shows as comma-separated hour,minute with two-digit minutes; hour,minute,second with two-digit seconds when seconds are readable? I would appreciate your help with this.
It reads 3,27
